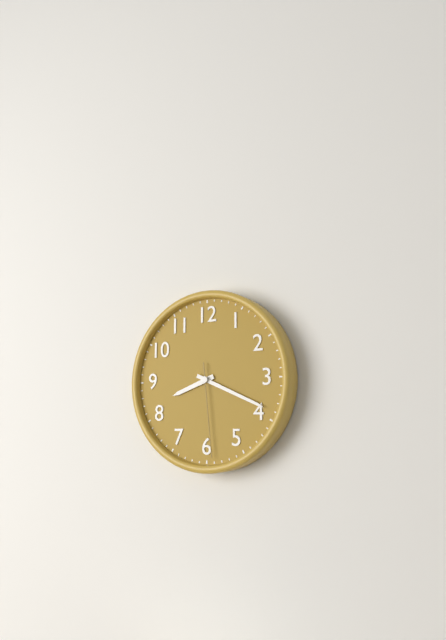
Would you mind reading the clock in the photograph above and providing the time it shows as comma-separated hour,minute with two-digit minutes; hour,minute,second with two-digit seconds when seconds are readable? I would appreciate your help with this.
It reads 8,19,29
